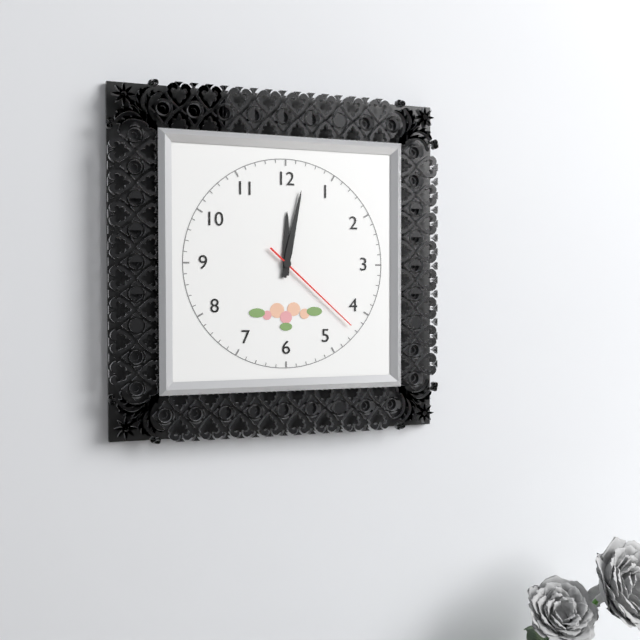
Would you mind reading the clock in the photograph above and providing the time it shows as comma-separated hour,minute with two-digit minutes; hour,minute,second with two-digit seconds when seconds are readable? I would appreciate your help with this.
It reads 12,02,22
